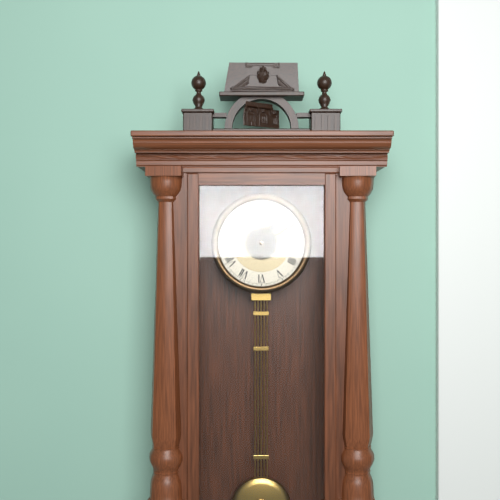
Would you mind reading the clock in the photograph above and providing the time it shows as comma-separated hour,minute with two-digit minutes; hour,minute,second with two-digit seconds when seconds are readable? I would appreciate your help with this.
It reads 1,10
